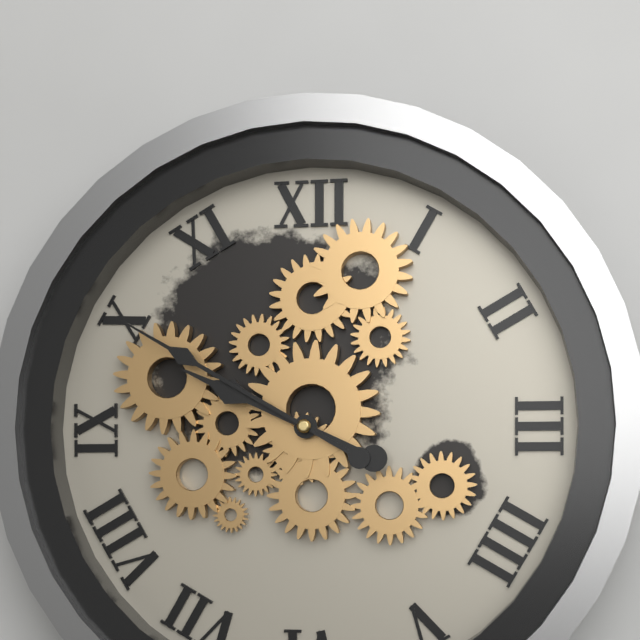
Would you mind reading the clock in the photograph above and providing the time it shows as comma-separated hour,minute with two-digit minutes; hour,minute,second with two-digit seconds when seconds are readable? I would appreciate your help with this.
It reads 9,50
